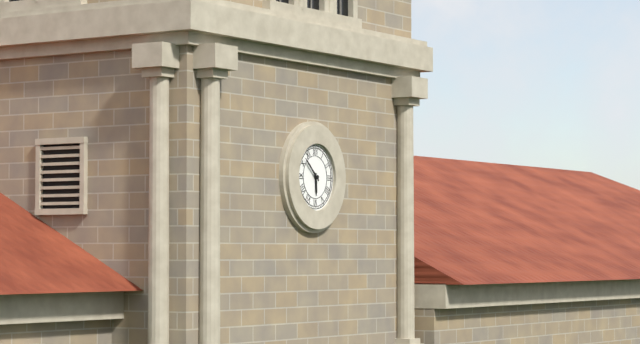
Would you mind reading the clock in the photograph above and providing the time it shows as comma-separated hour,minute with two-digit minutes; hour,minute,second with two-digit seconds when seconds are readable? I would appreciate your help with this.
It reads 5,52
